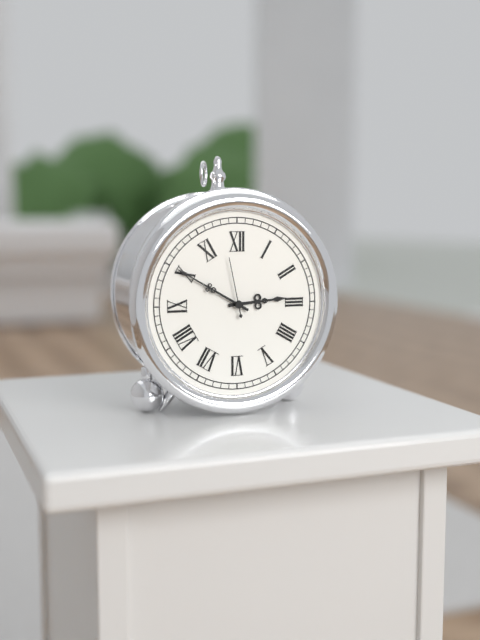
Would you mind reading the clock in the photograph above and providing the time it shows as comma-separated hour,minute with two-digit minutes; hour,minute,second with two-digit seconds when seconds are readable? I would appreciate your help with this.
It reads 2,50,58
